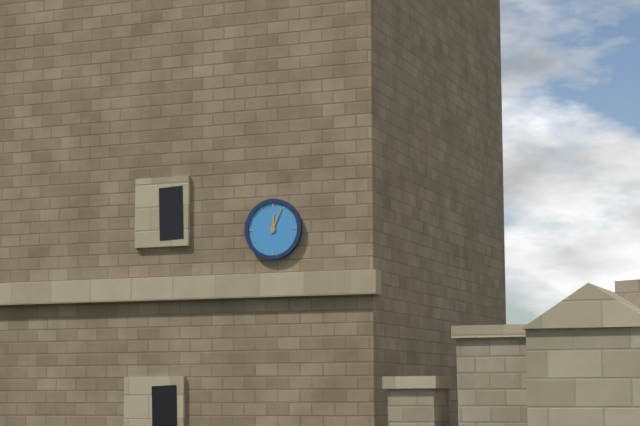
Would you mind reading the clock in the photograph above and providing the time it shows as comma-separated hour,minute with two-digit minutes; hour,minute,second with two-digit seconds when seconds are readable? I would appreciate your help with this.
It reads 12,04
